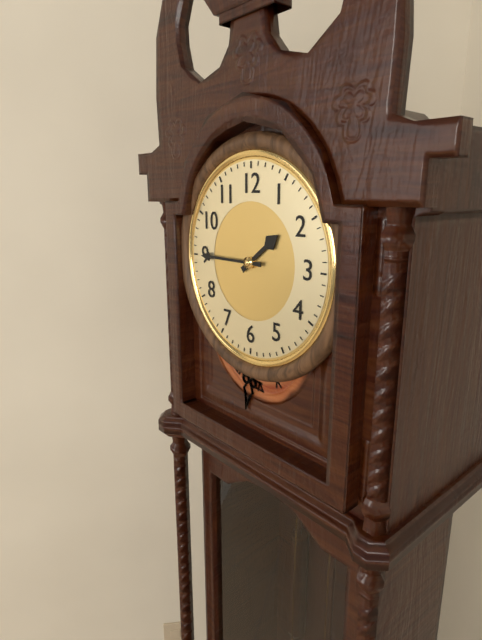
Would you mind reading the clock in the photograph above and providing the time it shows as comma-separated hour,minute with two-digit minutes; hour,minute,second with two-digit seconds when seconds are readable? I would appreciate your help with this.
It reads 1,45
